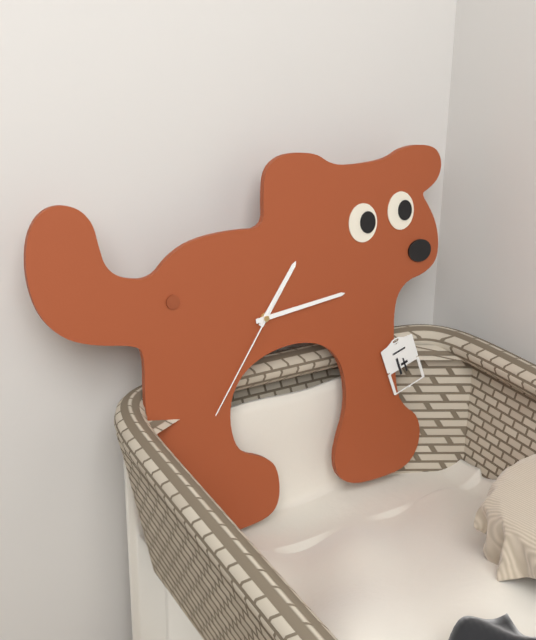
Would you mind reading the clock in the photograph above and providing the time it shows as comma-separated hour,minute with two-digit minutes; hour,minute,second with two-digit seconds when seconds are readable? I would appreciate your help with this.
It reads 1,14,36
